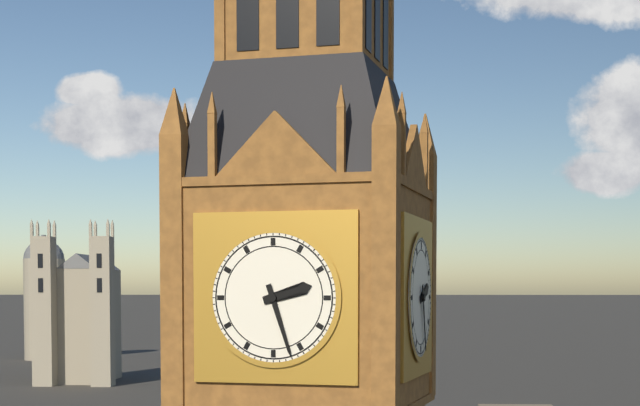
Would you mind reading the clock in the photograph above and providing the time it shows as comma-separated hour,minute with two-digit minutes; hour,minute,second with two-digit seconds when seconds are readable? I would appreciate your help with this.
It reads 2,27
